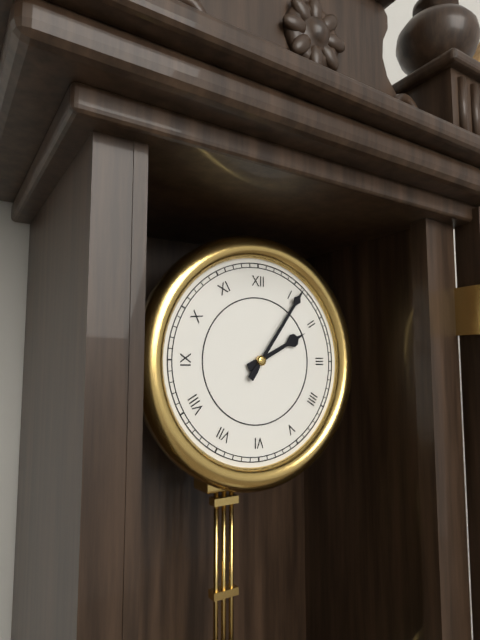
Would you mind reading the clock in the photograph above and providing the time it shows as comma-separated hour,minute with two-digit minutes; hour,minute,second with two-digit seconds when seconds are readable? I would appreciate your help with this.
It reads 2,06
